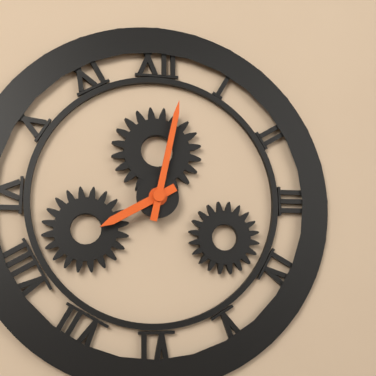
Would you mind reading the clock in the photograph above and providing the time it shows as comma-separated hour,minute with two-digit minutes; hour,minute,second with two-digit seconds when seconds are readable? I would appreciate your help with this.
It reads 8,02
